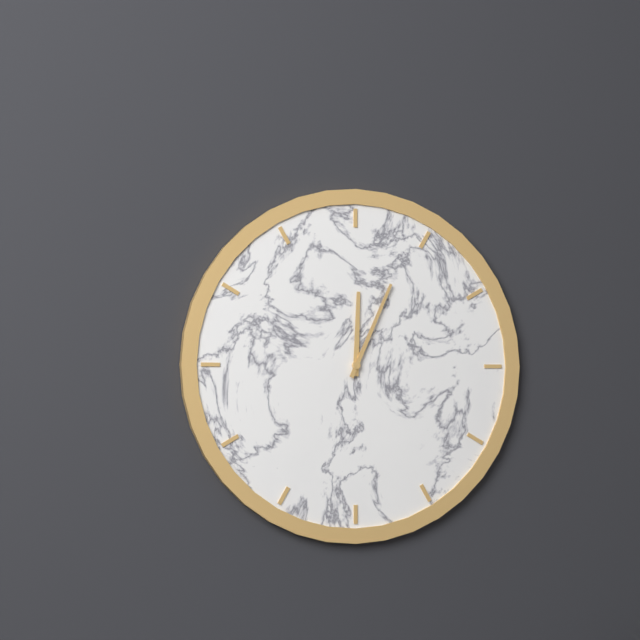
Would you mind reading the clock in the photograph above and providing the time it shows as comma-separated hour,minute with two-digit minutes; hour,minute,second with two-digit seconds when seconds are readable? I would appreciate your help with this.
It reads 12,04
